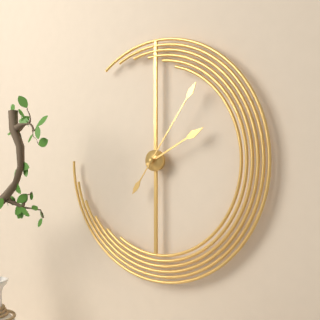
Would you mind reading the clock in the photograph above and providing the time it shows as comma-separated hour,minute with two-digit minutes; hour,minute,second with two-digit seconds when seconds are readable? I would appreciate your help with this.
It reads 2,06
